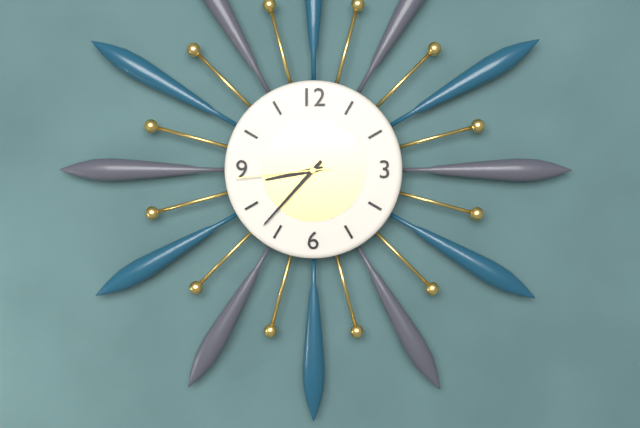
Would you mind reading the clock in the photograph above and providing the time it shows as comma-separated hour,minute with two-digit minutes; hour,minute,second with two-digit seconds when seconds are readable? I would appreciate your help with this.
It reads 8,37,44
